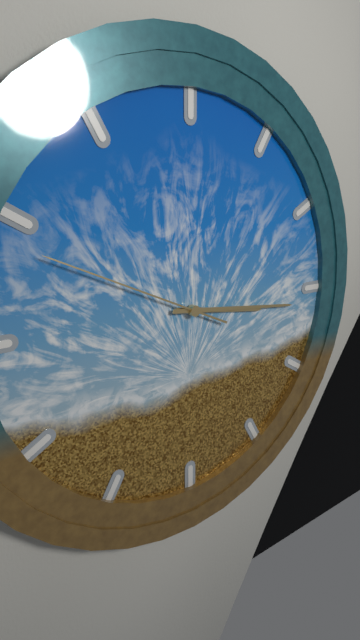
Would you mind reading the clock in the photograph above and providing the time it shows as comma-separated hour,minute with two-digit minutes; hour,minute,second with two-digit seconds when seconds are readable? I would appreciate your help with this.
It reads 3,16,49
